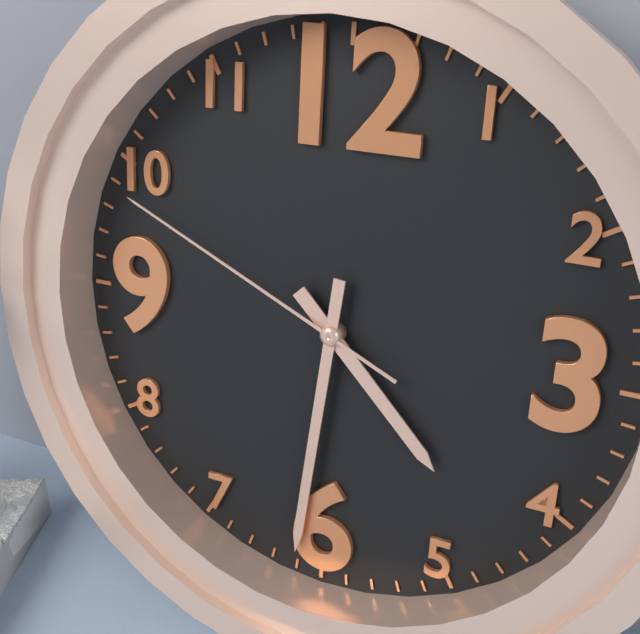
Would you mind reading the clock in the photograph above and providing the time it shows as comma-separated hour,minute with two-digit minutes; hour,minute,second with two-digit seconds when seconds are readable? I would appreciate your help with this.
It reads 4,31,49
